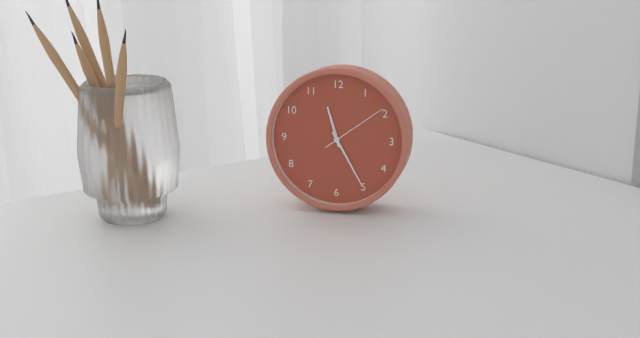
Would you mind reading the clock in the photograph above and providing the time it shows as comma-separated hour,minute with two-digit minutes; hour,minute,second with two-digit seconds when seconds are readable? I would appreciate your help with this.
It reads 11,25,09
